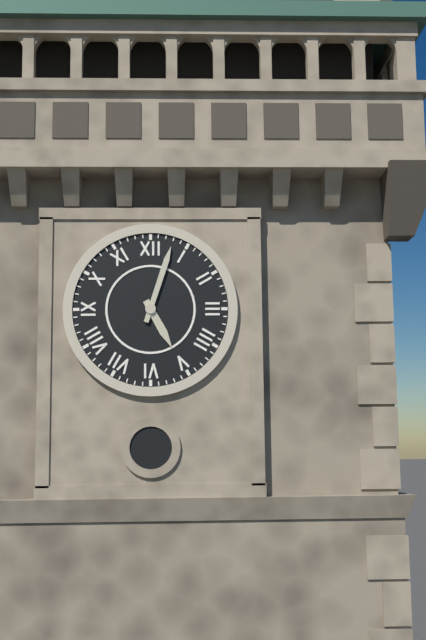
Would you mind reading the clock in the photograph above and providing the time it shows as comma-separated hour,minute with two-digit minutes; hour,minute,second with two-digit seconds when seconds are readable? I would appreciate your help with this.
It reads 5,03
